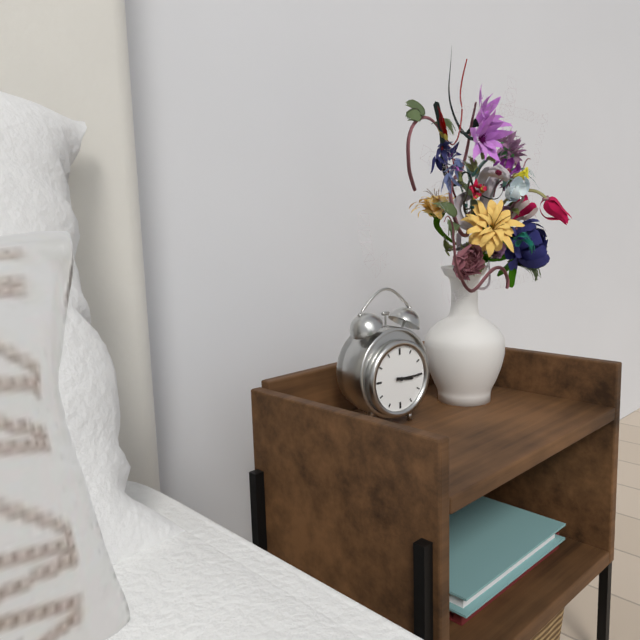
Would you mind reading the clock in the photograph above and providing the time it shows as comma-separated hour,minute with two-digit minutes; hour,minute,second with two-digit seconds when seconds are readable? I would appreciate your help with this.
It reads 3,15
